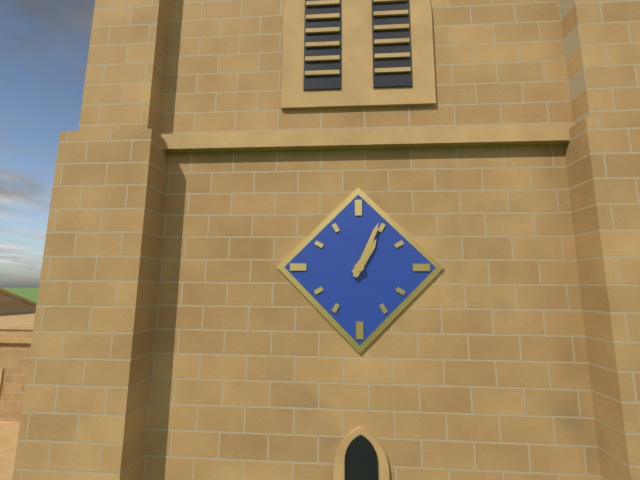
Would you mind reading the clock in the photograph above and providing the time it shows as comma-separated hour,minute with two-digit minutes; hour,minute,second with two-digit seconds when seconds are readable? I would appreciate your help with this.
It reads 1,04
